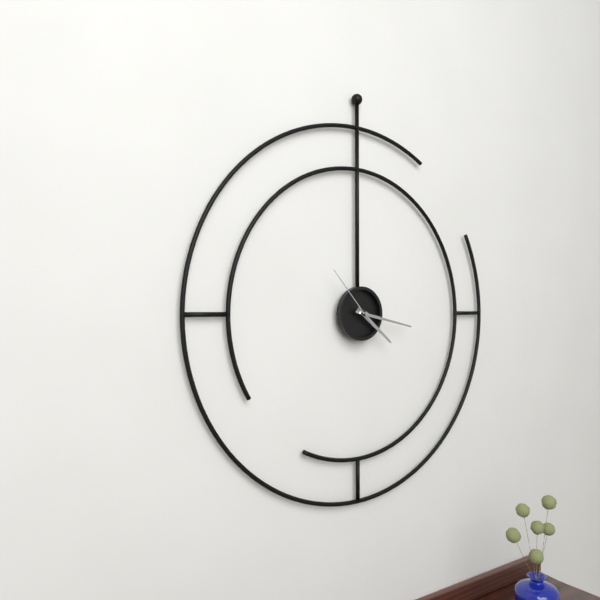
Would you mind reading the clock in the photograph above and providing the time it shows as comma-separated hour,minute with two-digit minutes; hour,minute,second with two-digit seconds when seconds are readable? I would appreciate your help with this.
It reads 4,17,53
